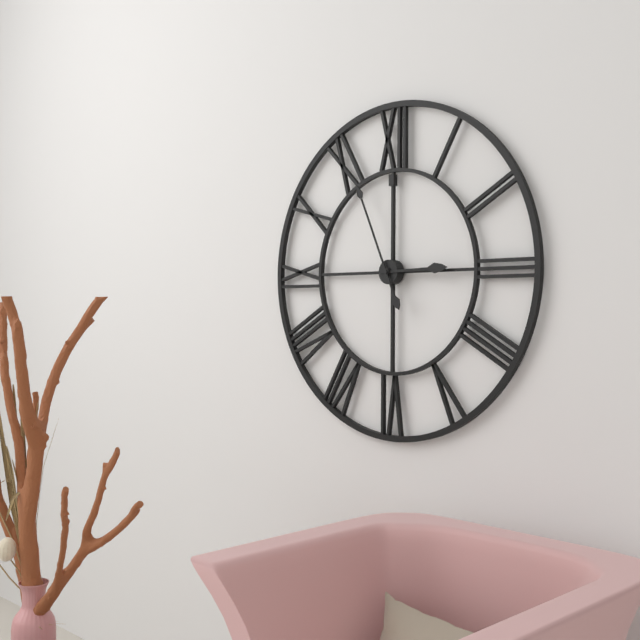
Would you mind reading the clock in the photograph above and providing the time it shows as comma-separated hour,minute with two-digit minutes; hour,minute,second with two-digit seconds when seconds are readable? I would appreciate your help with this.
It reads 2,56
